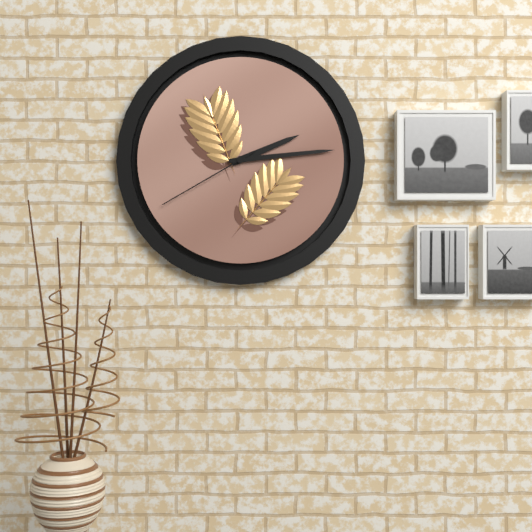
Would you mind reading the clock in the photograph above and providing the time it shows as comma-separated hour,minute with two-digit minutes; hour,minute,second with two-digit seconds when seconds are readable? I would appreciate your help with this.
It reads 2,14,40
